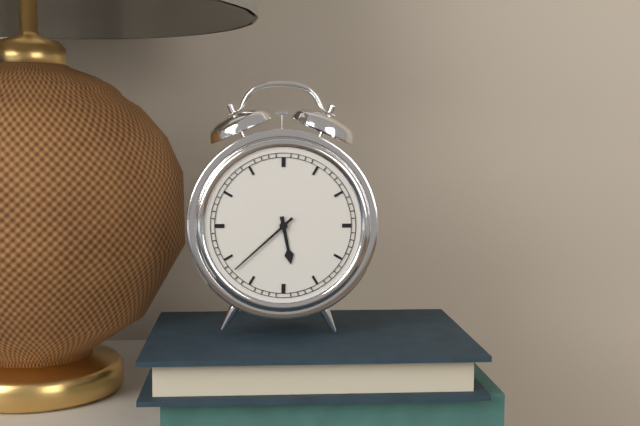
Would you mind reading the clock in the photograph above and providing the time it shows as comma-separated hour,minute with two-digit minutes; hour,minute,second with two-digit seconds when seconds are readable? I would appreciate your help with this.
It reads 5,38
